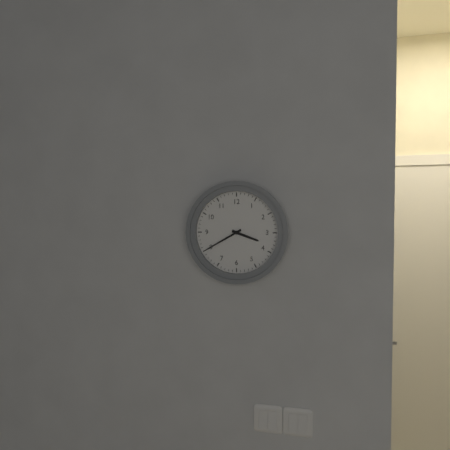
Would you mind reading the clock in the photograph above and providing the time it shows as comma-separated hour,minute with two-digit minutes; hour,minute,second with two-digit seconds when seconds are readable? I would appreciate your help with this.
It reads 3,40
